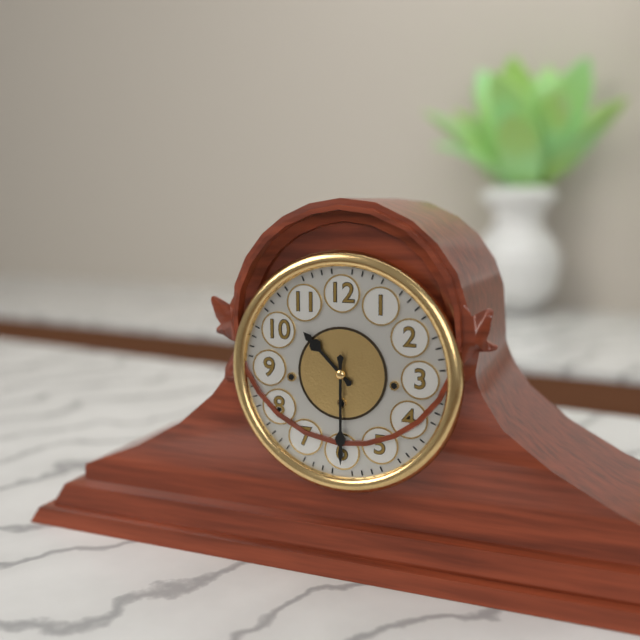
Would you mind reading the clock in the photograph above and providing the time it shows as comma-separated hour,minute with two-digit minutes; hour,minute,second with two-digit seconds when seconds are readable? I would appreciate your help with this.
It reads 10,30
